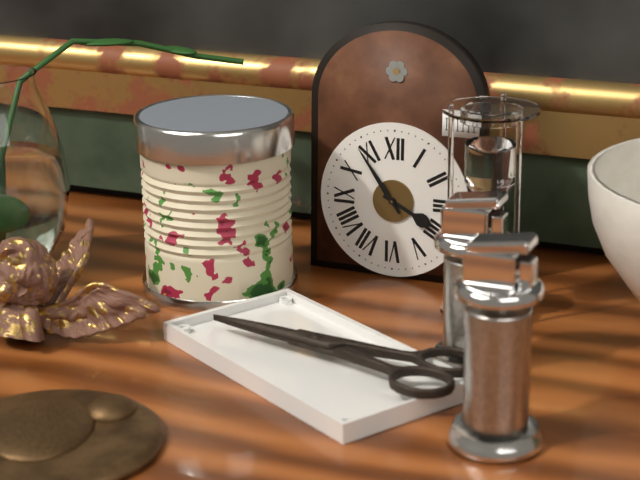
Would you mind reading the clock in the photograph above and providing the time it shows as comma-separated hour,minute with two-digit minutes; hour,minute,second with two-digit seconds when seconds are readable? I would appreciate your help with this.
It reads 3,54
